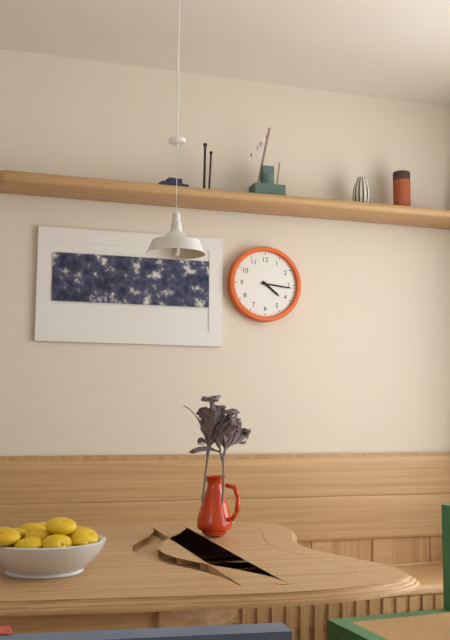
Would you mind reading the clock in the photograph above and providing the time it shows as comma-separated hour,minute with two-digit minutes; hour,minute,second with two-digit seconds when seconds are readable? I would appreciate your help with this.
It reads 4,16
